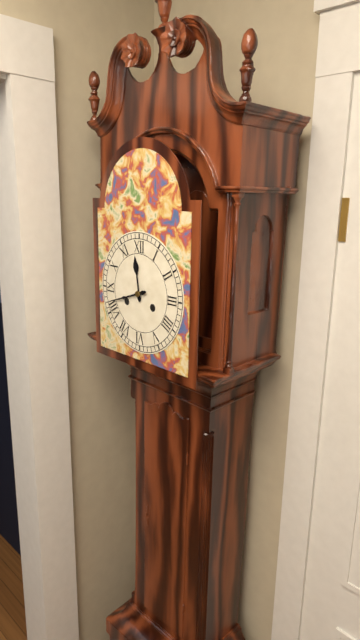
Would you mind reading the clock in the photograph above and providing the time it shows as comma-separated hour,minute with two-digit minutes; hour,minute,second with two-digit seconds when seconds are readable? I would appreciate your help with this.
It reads 11,42
